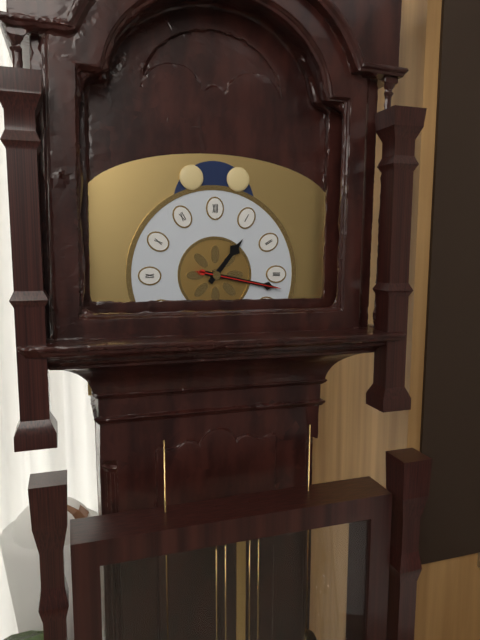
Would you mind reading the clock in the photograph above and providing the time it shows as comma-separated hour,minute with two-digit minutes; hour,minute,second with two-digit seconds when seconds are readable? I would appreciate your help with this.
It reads 1,17,17
